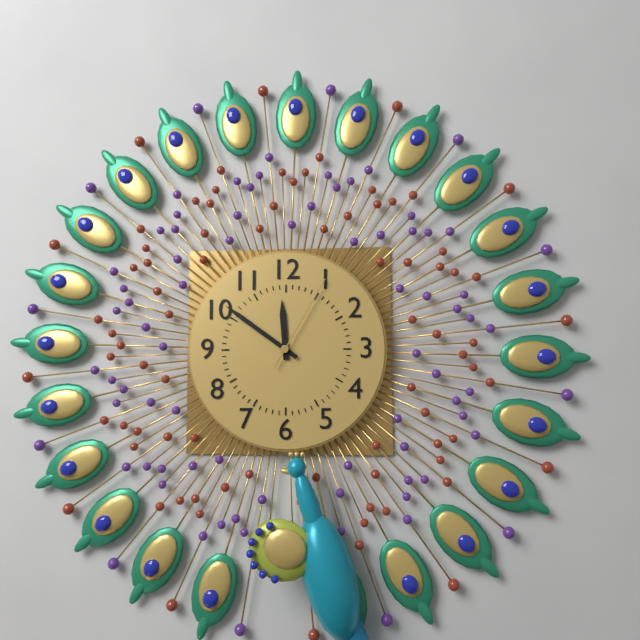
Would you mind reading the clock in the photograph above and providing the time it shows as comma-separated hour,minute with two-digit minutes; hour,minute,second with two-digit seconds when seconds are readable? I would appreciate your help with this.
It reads 11,51,05
